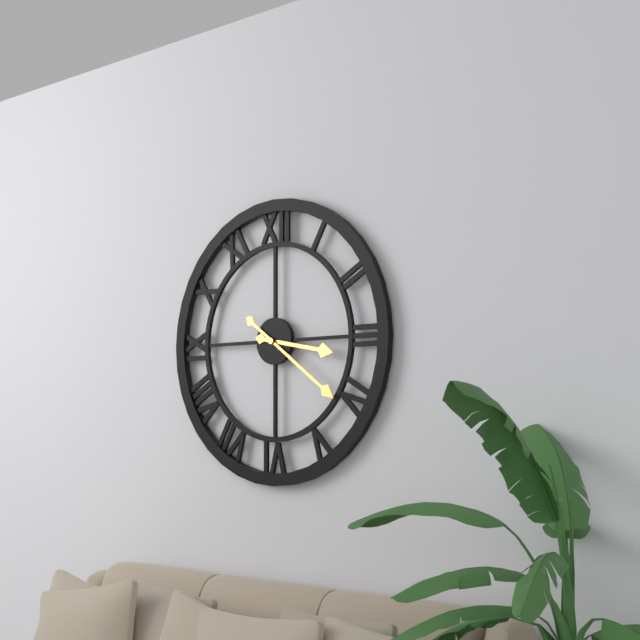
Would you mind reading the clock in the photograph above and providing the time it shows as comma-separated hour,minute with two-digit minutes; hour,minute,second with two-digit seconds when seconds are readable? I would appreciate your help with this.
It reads 3,21
